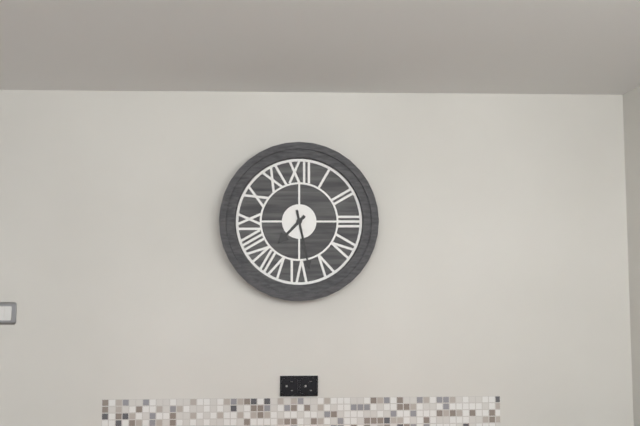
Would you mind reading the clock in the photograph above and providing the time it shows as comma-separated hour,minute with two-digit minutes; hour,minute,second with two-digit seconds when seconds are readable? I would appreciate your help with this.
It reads 7,28
